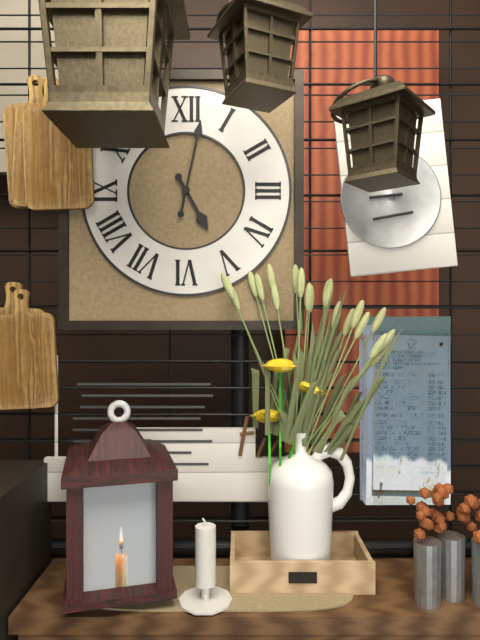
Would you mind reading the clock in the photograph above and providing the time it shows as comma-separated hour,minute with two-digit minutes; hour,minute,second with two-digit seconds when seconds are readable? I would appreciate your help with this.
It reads 5,02
